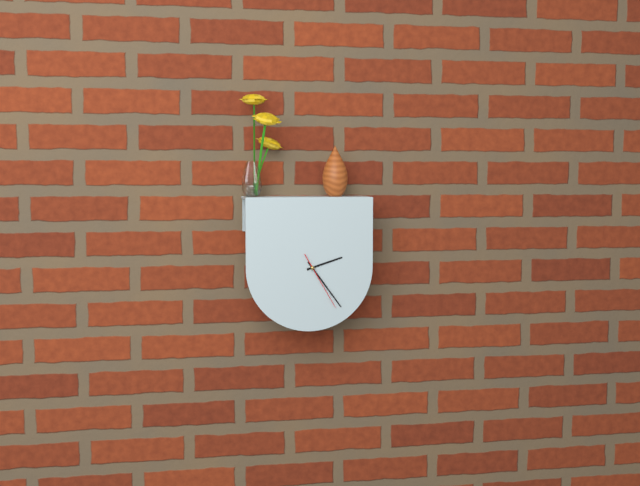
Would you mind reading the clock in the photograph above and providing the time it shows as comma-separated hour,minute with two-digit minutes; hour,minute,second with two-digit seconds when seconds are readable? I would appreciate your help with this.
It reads 2,24,25
